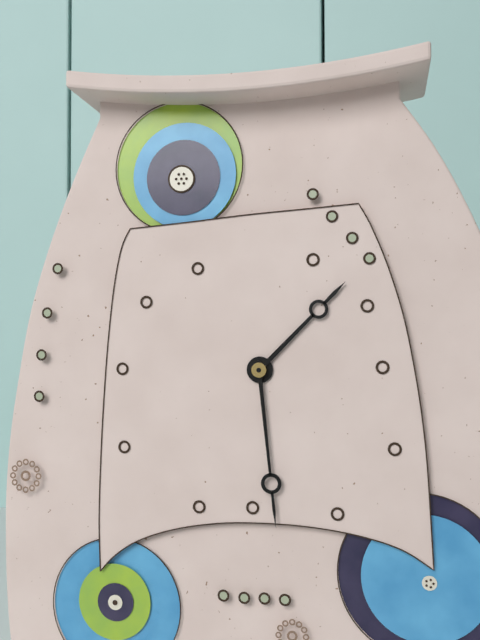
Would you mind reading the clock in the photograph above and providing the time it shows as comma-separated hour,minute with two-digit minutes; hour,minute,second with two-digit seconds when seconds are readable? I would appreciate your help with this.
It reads 1,29
